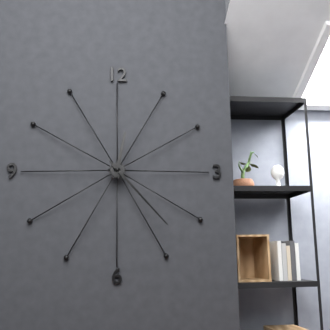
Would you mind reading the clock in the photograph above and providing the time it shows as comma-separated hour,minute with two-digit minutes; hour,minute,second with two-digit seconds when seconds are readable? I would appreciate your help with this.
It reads 12,23
